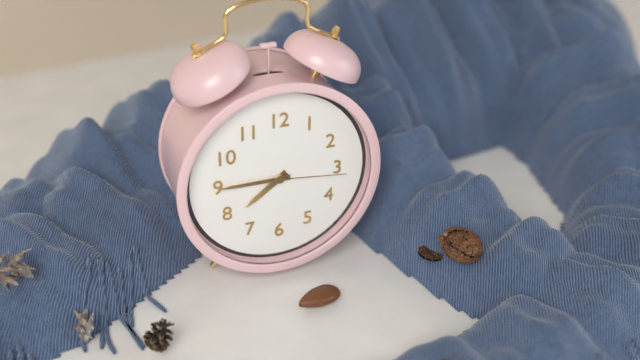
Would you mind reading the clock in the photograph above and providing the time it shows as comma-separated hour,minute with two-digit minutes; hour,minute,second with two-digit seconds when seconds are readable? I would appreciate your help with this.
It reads 7,45,16
